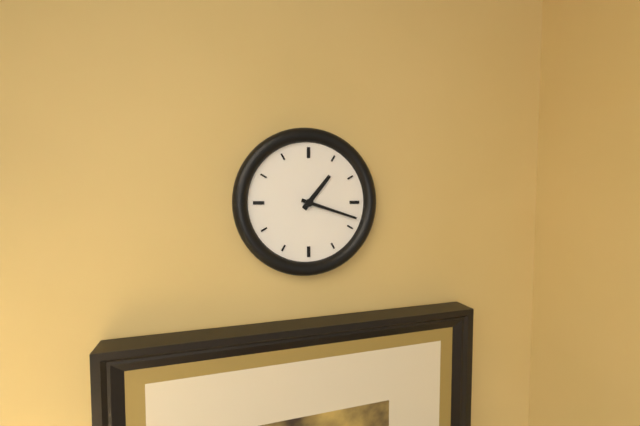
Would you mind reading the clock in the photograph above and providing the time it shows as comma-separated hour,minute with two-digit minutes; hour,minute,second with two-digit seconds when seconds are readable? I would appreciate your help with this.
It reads 1,18
